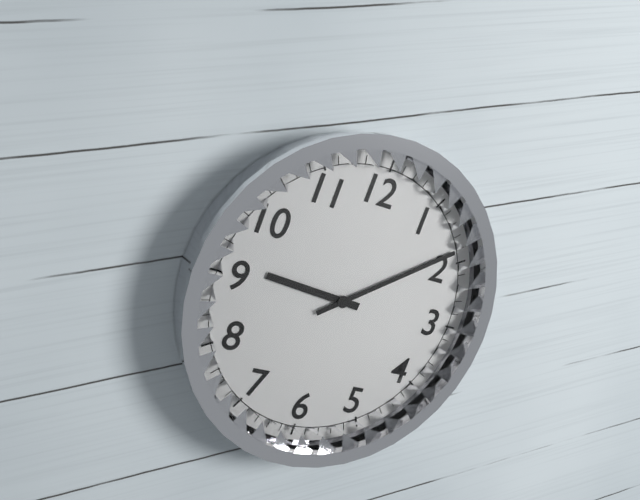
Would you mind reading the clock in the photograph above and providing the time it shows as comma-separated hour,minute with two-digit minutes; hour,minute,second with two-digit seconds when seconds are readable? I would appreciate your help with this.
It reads 9,09
